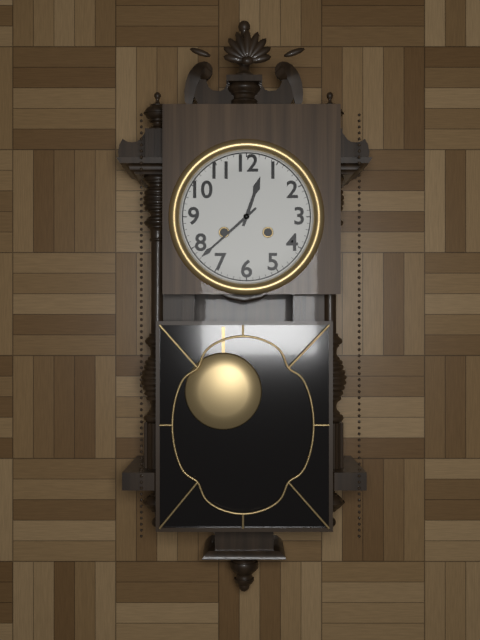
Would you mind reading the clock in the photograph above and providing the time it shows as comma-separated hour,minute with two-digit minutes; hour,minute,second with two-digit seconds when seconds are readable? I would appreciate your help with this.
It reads 12,38
